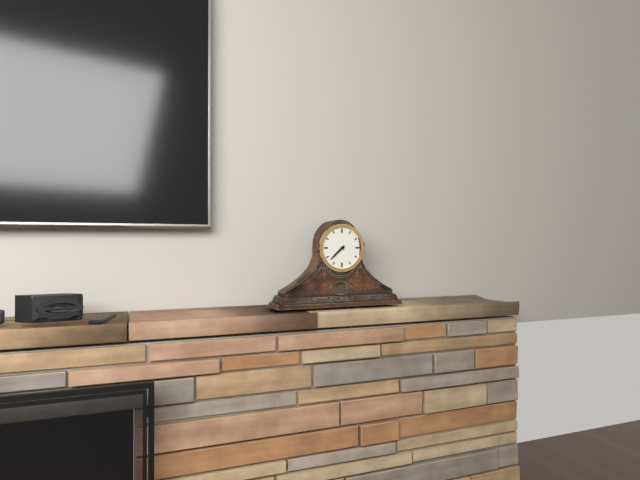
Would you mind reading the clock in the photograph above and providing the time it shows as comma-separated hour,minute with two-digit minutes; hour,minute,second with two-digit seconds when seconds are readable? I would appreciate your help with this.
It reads 7,38
